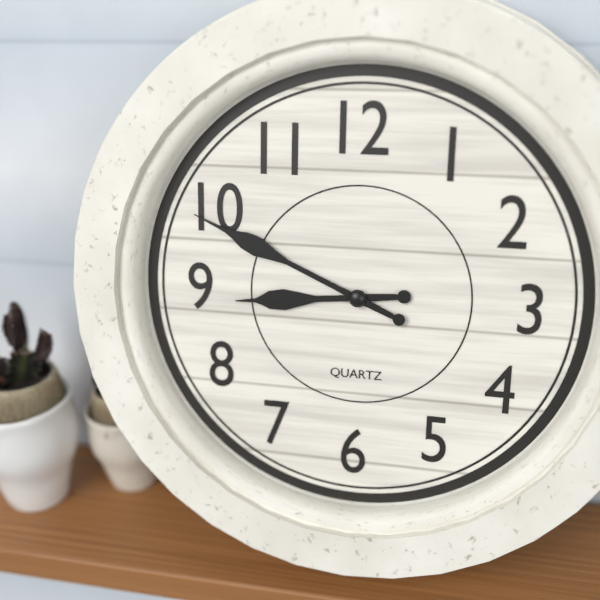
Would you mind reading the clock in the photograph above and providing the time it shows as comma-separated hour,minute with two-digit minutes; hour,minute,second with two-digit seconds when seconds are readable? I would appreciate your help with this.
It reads 8,49
